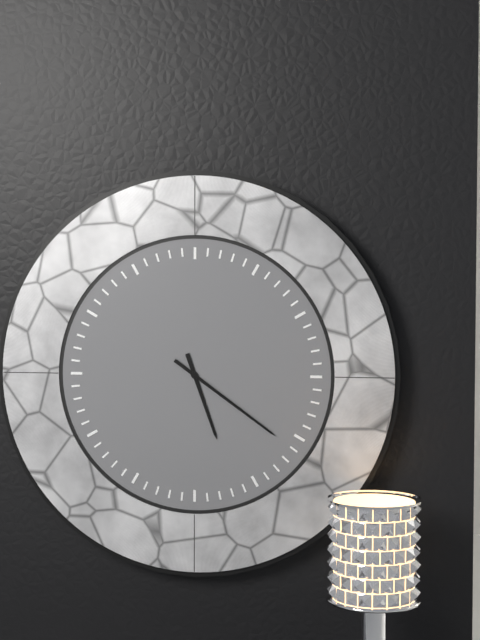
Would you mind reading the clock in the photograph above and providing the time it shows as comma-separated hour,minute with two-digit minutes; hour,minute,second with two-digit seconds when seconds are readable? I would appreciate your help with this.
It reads 5,21
